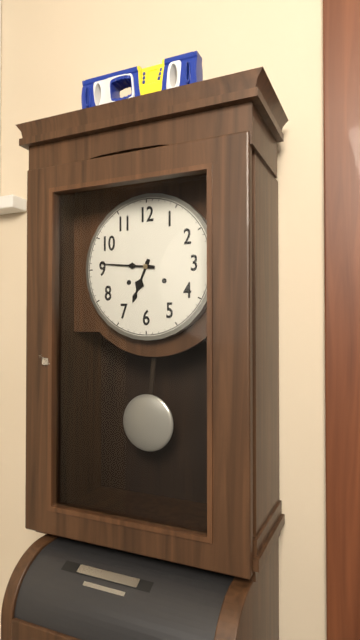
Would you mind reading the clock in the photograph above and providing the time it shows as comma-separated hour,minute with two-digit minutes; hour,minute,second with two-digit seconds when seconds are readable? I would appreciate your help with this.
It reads 6,46
